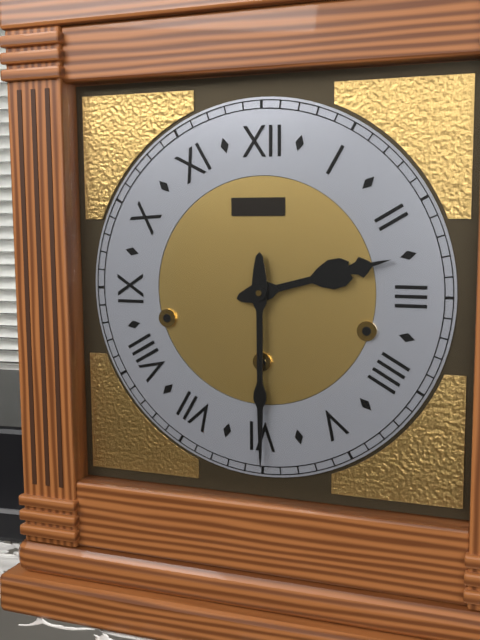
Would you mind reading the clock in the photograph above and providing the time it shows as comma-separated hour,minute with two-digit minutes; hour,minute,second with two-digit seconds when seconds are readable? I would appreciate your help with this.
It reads 2,30
